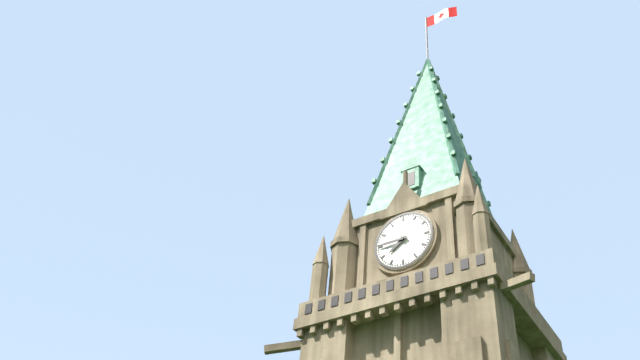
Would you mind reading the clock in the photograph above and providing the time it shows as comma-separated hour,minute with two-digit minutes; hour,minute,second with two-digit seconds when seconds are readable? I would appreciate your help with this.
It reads 7,45
